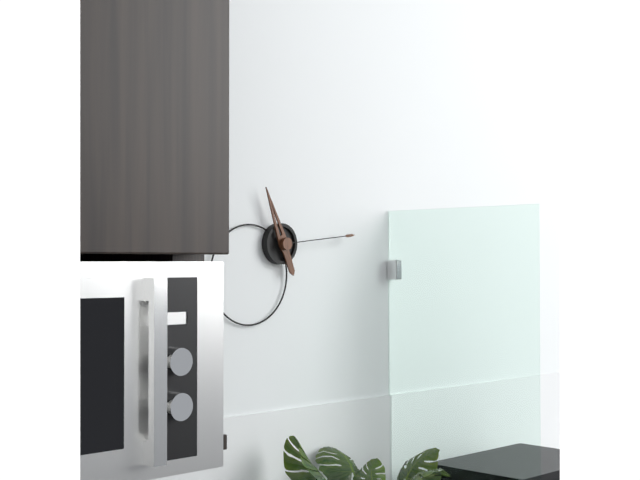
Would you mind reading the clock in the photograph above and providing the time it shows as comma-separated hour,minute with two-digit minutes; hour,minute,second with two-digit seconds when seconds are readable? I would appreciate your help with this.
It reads 11,14
